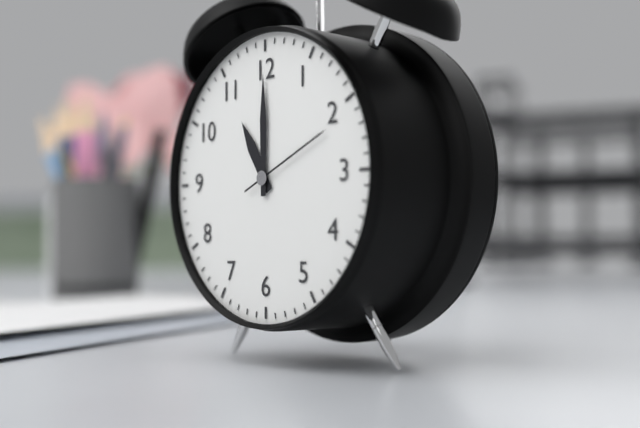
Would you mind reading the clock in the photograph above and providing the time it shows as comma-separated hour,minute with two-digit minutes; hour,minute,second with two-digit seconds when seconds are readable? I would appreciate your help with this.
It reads 11,00,11
